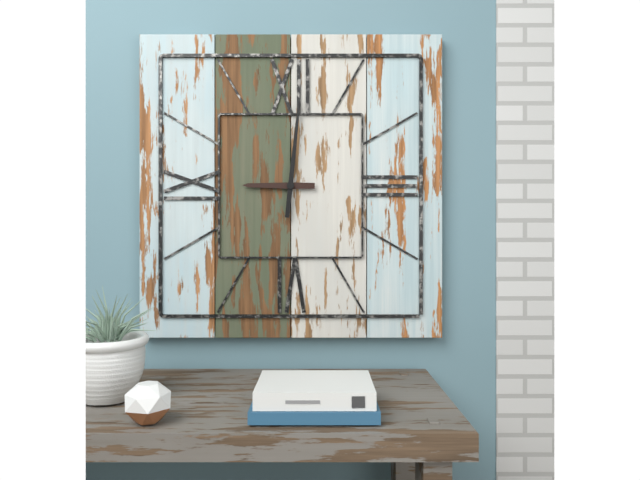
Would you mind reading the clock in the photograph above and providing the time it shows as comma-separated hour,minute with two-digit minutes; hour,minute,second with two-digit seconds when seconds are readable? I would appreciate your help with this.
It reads 9,01
